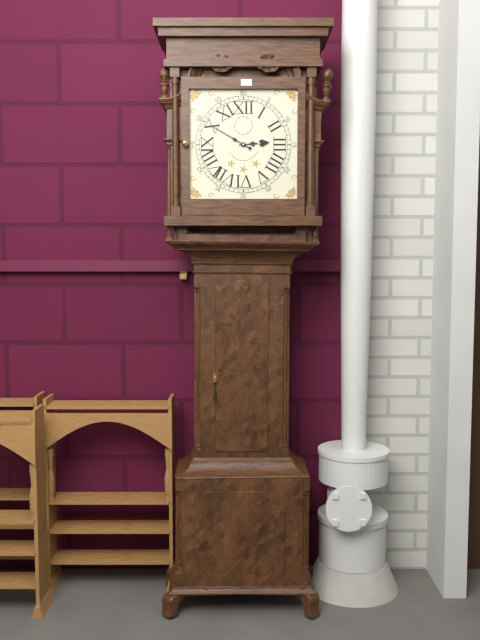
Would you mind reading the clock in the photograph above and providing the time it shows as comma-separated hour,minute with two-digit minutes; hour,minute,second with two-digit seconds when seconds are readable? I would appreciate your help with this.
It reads 2,50
